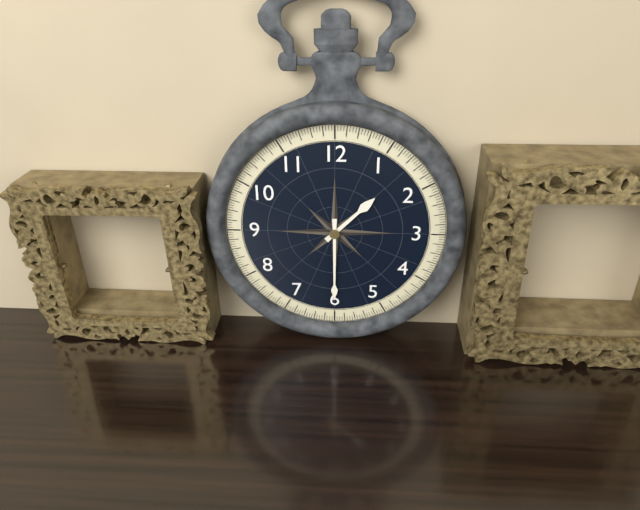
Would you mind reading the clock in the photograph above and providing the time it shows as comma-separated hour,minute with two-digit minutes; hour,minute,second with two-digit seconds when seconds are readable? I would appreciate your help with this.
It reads 1,30
